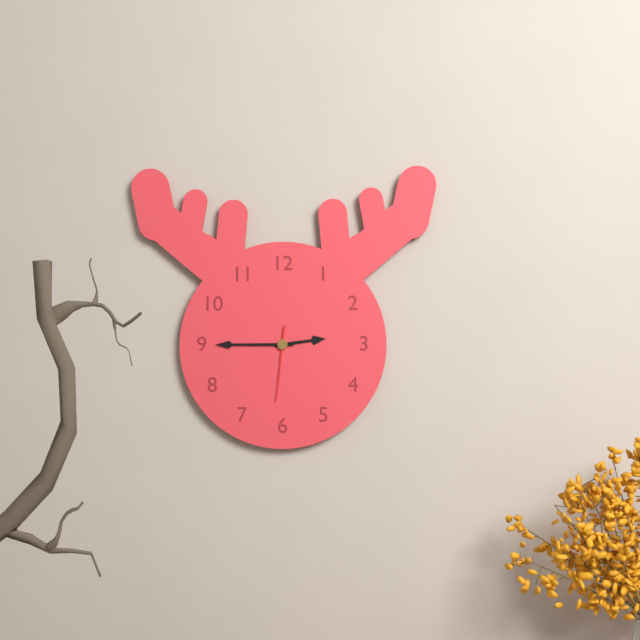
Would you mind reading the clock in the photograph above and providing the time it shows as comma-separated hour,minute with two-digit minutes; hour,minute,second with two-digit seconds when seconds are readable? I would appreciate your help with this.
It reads 2,45,31
